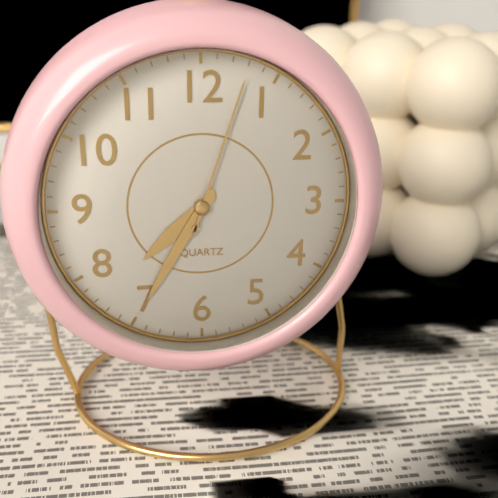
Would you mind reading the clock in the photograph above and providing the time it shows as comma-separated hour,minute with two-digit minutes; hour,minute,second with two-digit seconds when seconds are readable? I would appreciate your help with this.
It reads 7,35,03
